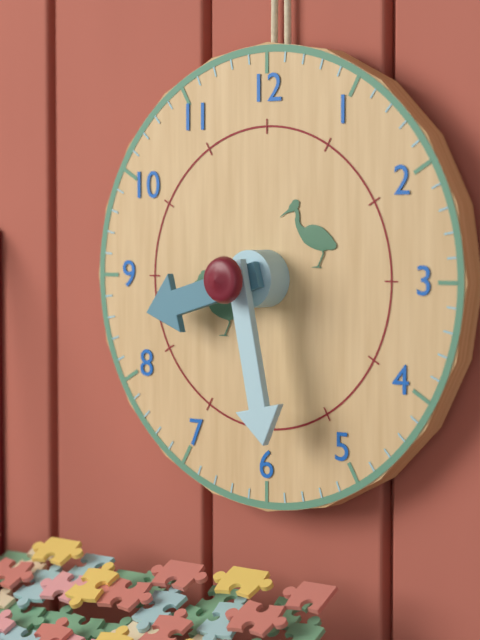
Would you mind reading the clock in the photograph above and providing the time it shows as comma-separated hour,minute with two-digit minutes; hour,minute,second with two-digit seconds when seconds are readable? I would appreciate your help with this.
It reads 8,28
